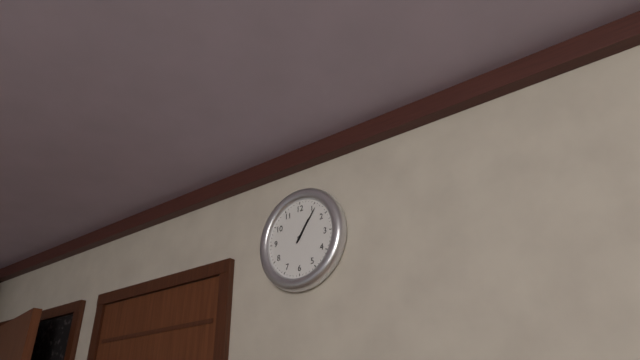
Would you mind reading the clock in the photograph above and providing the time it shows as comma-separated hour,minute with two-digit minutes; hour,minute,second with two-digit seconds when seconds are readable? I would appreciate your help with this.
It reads 1,06
